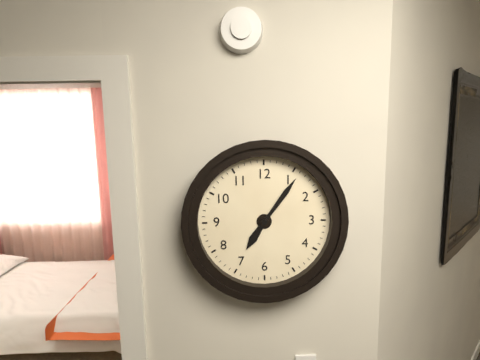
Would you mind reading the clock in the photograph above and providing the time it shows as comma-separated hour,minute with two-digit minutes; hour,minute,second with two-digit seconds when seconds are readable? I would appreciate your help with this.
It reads 7,06
